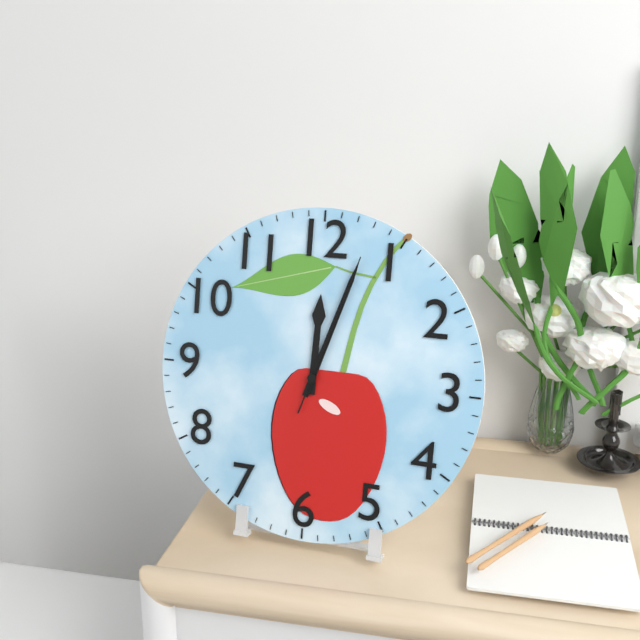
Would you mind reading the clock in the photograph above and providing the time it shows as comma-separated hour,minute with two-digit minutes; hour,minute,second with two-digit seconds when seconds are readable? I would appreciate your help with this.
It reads 12,03,03
